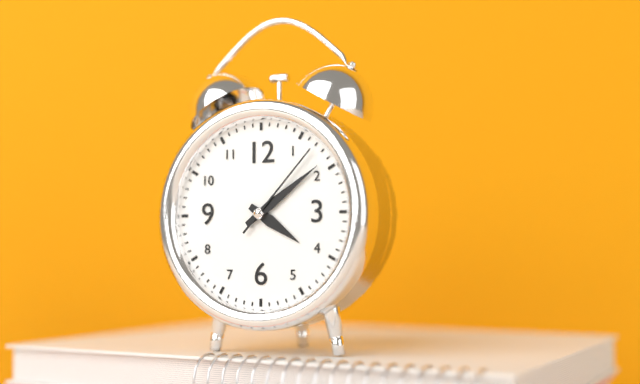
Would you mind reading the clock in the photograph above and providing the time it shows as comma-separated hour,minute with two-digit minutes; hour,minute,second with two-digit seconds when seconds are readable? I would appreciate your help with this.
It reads 4,09,07
